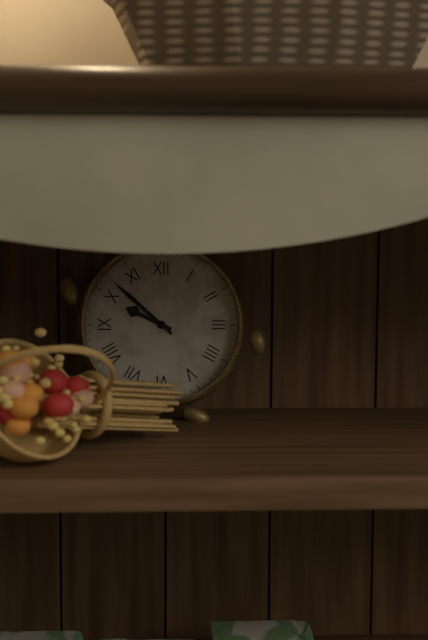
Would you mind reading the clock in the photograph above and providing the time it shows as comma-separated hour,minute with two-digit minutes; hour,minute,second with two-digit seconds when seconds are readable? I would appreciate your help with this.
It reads 9,52
